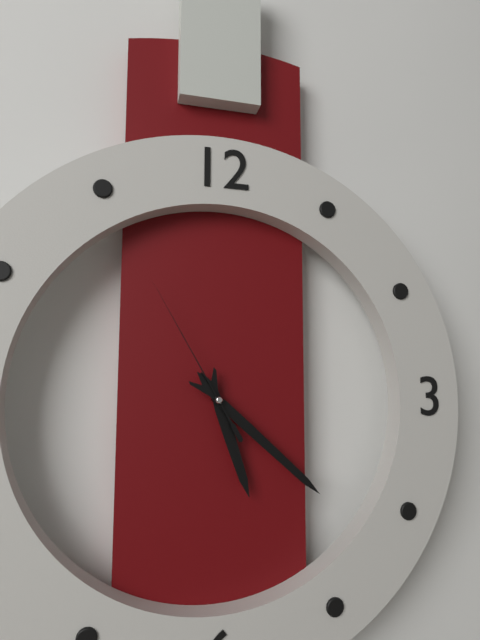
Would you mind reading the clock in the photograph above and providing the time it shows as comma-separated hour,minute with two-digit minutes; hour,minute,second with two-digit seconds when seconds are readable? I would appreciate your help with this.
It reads 5,22,55
